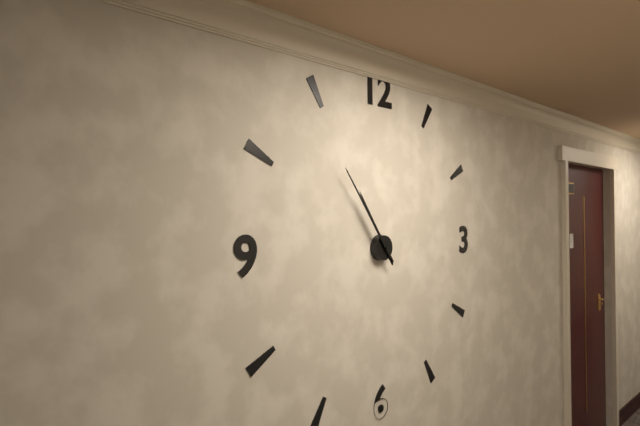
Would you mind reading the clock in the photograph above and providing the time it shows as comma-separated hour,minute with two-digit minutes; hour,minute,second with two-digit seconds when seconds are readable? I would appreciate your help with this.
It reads 10,54
